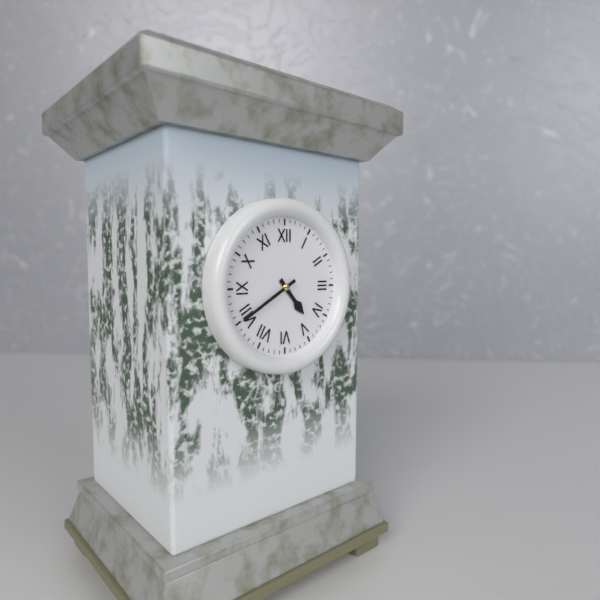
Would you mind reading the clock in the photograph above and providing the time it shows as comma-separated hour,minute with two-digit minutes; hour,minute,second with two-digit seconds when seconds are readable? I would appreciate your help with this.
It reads 4,40
